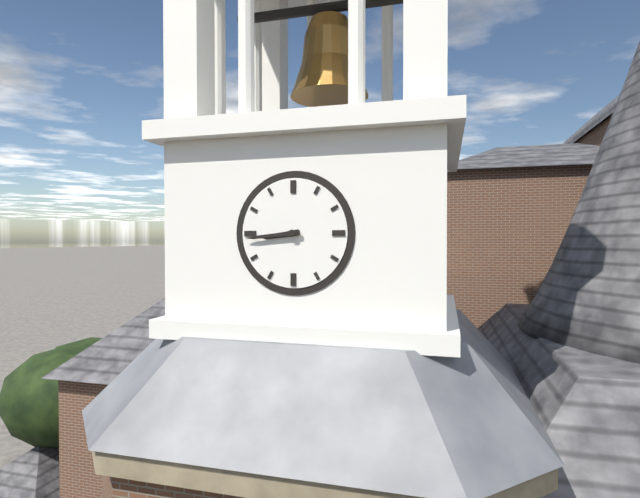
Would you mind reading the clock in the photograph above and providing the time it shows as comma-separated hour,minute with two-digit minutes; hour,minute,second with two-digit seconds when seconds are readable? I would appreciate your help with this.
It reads 8,44
